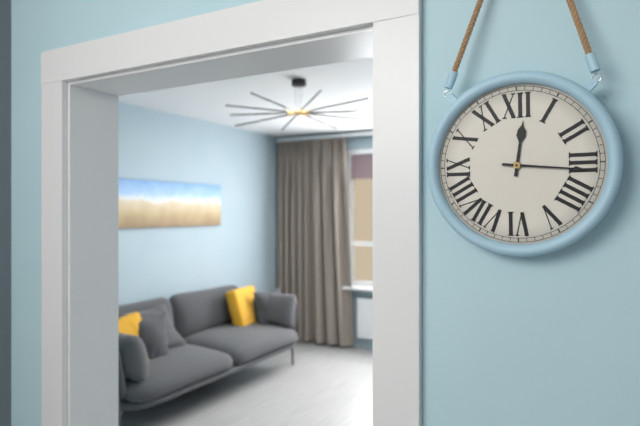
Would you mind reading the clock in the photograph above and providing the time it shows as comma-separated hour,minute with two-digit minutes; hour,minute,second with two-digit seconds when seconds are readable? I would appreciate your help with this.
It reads 12,16
